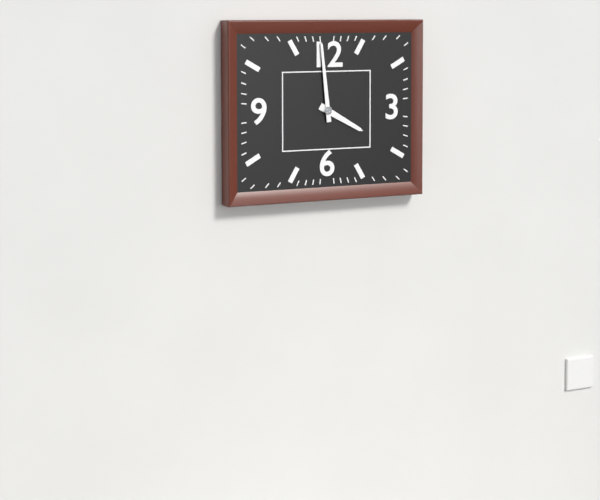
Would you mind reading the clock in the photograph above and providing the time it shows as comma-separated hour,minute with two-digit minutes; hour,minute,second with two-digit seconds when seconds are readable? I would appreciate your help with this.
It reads 3,59
